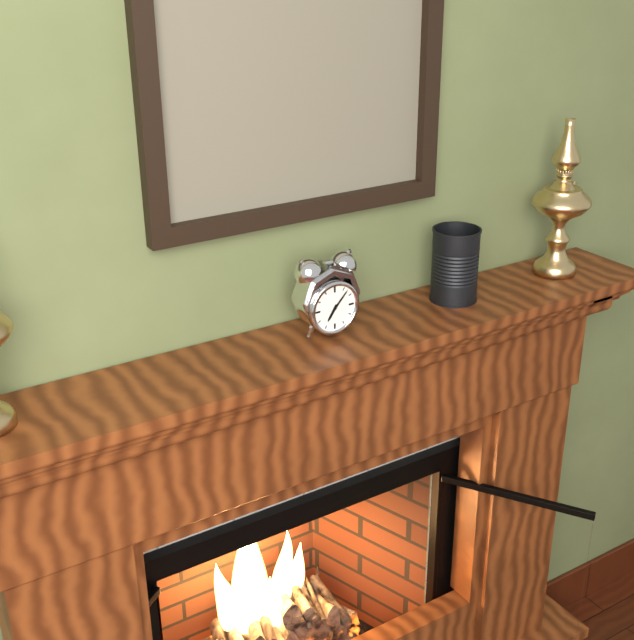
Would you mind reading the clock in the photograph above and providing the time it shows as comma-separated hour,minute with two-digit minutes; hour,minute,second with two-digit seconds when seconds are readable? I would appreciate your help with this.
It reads 7,07
